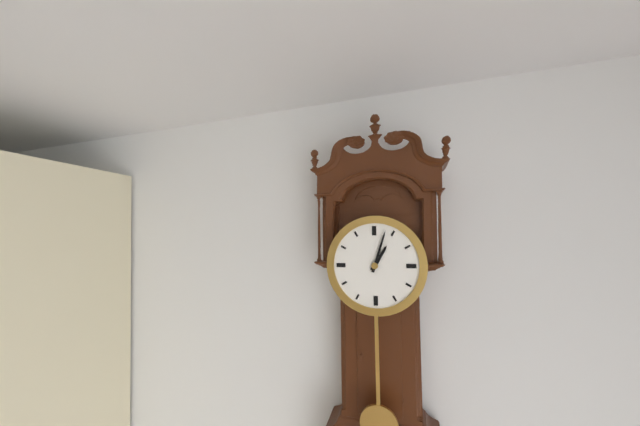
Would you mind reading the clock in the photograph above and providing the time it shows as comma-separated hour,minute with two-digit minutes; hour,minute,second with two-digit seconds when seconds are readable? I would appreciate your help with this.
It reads 1,03
